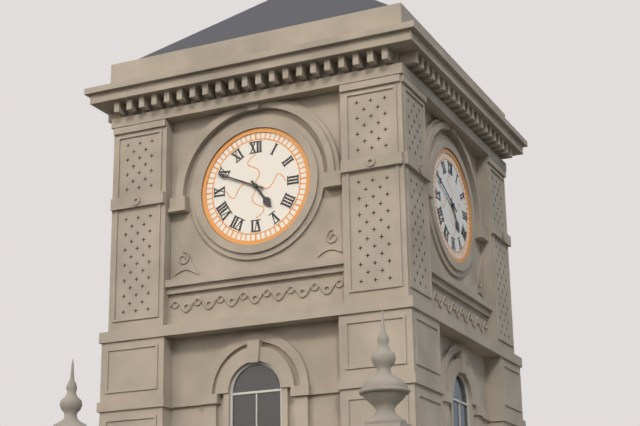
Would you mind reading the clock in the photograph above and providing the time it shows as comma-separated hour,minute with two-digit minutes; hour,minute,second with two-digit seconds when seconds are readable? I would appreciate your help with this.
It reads 4,49
